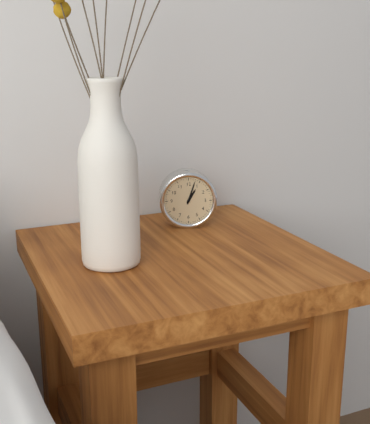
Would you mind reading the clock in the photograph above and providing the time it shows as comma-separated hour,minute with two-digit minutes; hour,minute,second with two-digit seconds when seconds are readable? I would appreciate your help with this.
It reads 1,03
